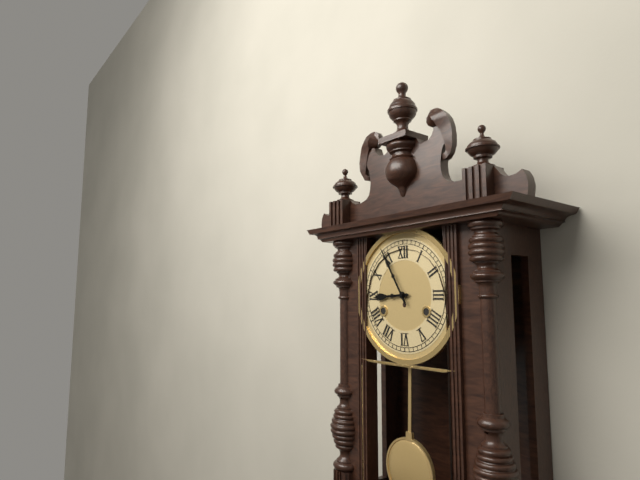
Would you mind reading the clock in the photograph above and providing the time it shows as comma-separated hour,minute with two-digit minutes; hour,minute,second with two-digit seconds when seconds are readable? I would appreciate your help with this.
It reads 8,55
